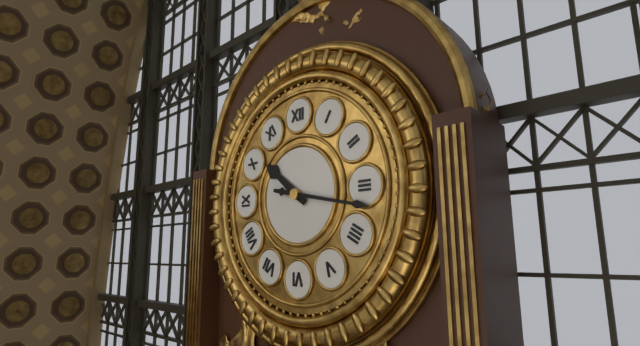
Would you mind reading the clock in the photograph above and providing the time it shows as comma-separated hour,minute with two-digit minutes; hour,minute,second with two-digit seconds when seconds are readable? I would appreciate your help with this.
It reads 10,17
